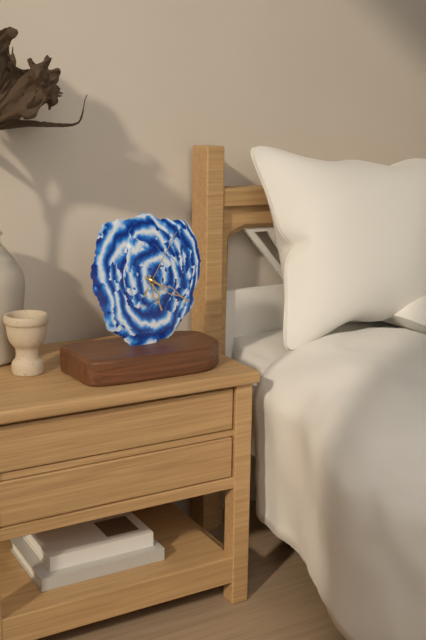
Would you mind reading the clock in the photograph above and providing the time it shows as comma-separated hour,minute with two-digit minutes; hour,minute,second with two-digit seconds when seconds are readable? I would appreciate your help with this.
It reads 5,20,05
